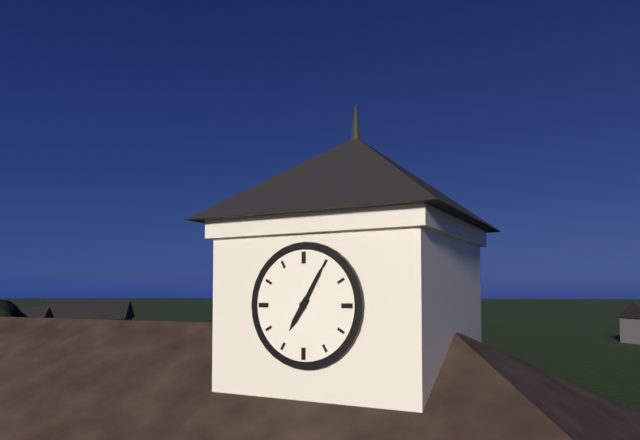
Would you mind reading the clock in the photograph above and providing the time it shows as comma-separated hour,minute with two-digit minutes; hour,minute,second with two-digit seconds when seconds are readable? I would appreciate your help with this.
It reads 7,05
